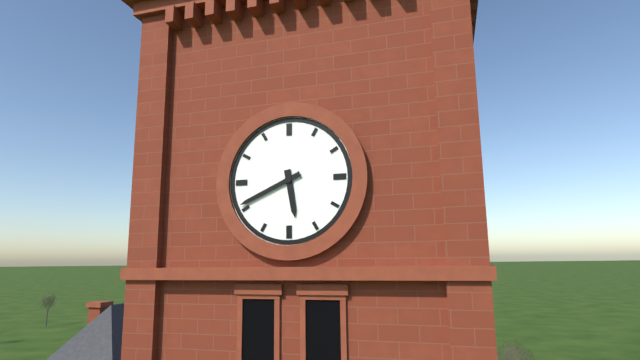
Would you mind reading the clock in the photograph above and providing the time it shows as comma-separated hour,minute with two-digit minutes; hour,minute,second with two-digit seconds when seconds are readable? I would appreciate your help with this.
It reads 5,41
